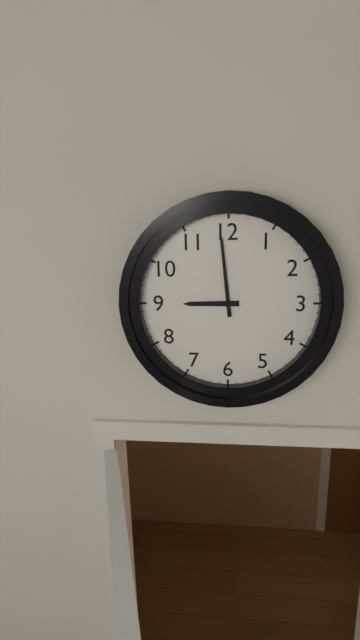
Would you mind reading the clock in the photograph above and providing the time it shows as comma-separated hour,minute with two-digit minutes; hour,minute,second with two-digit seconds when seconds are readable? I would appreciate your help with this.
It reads 8,59
